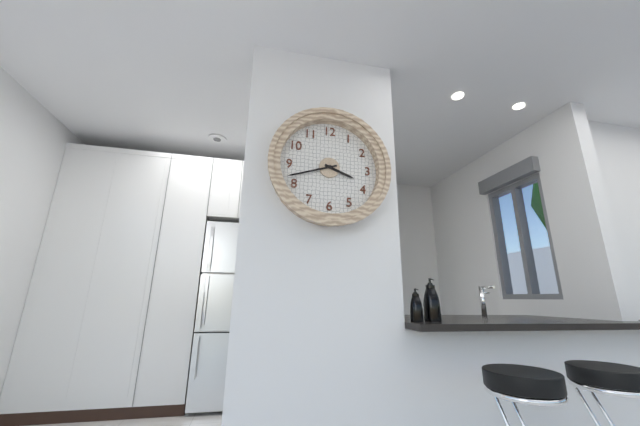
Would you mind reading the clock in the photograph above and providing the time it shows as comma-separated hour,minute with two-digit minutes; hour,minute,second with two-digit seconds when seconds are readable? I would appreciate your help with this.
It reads 3,42
